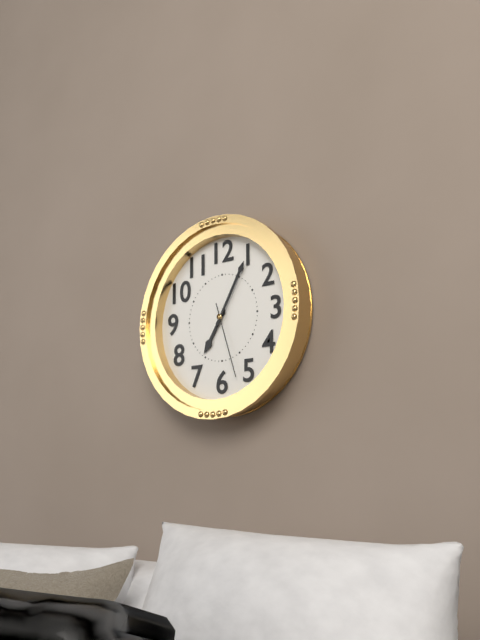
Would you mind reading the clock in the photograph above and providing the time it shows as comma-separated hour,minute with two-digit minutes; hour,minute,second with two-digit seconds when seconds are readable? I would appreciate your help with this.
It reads 7,05,27
